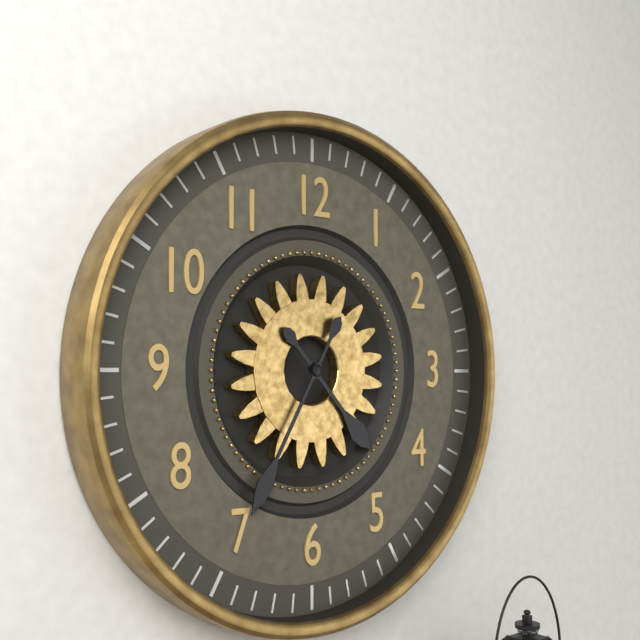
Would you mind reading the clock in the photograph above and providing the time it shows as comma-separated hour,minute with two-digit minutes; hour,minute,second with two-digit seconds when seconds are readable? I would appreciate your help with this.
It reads 4,35
